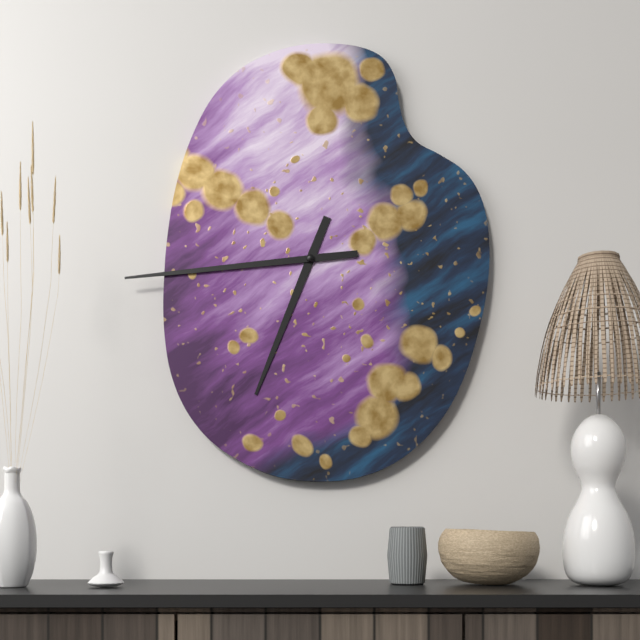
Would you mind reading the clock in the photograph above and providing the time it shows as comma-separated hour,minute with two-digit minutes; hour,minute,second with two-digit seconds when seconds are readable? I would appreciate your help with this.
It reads 6,44
